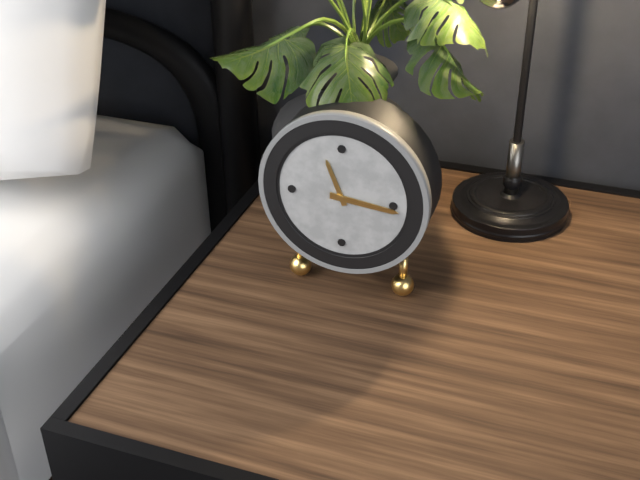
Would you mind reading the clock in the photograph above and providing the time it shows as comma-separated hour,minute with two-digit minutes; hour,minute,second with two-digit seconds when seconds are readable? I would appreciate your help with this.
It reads 11,16
